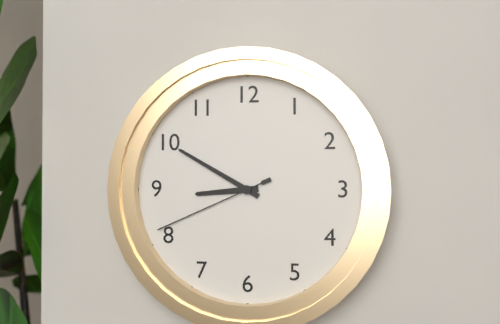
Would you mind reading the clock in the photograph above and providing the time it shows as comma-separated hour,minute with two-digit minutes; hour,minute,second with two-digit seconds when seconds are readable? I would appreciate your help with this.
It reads 8,50,41
